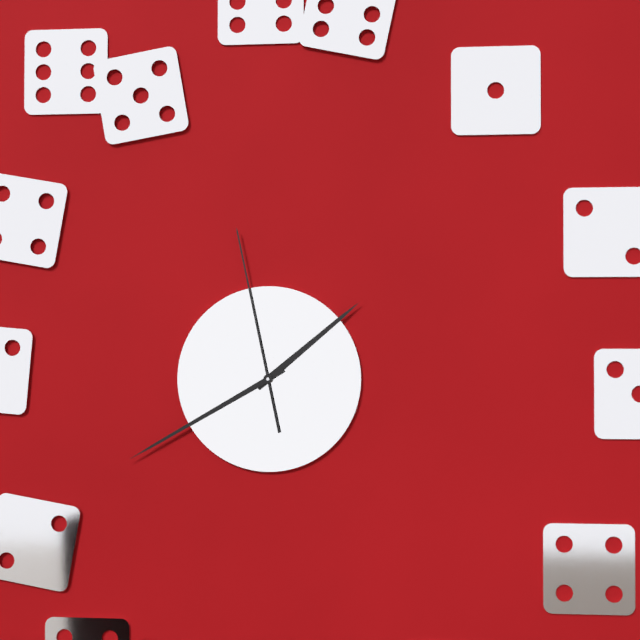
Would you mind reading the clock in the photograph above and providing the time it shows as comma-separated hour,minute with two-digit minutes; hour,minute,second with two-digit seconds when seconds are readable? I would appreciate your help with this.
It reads 1,40,58
